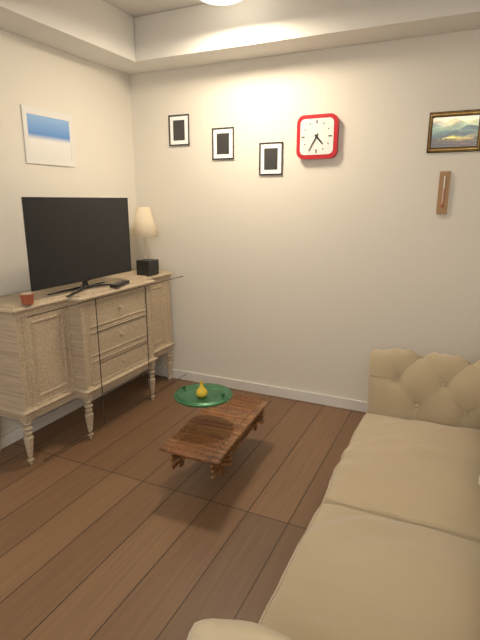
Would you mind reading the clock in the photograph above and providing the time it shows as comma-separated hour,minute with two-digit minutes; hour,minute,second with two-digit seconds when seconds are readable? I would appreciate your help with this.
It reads 4,35
